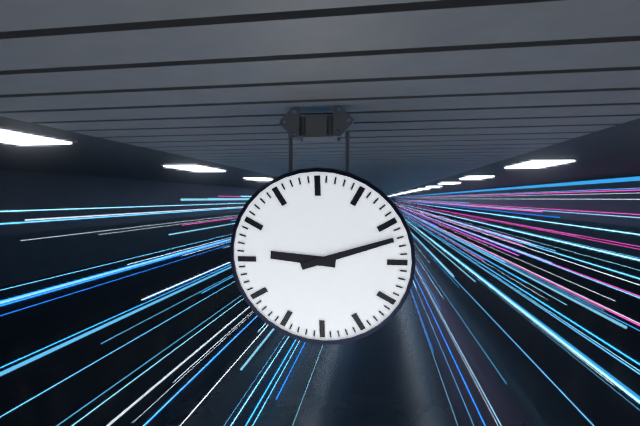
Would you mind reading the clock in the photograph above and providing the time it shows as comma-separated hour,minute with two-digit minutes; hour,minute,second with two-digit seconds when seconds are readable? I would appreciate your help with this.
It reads 9,12
